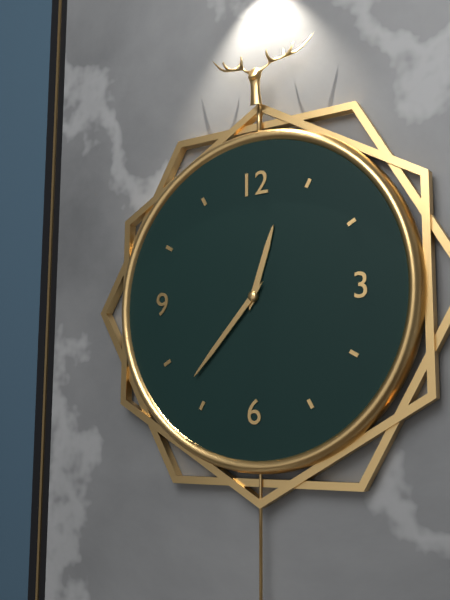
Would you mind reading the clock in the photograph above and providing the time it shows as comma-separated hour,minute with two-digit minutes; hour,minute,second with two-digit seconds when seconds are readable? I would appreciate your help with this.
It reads 12,37
